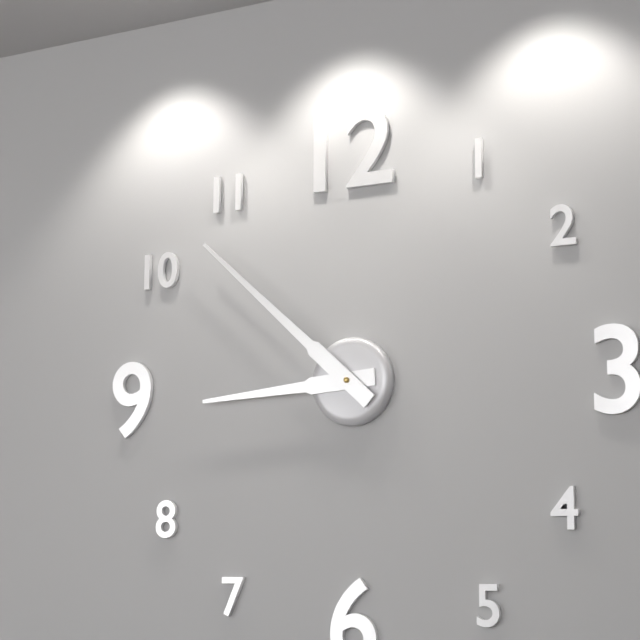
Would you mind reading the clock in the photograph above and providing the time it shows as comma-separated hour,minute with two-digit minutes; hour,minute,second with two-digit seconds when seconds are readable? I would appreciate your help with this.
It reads 8,52
